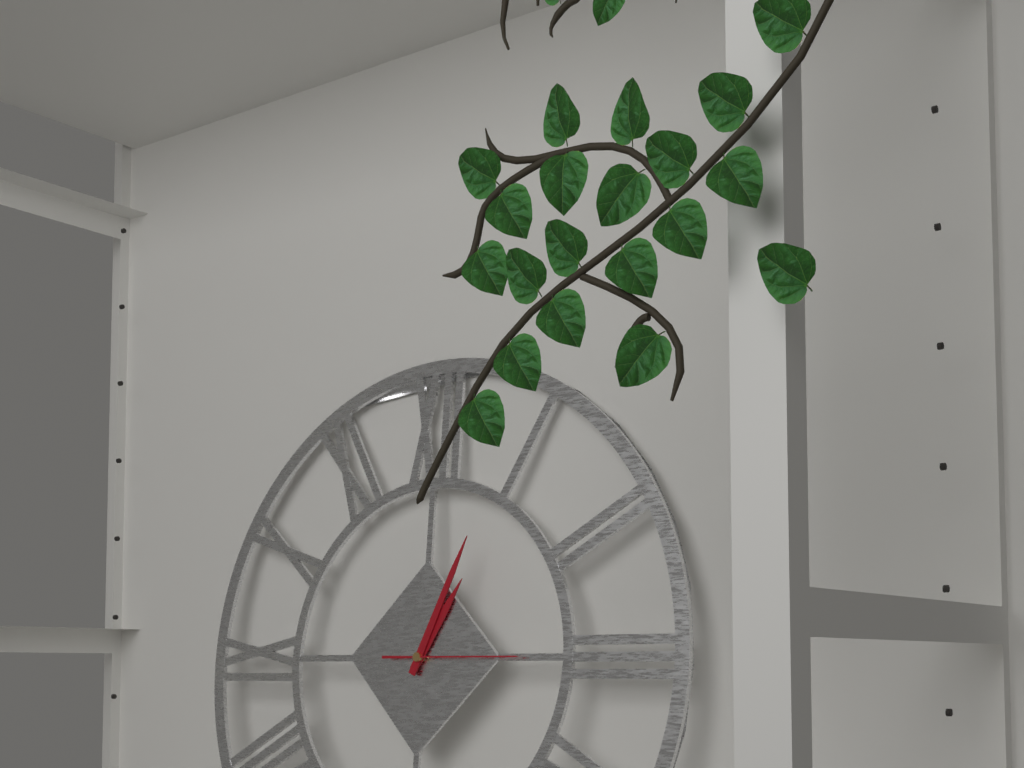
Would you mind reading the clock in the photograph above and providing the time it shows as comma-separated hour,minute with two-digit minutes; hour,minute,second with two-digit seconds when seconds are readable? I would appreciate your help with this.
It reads 1,04,15
